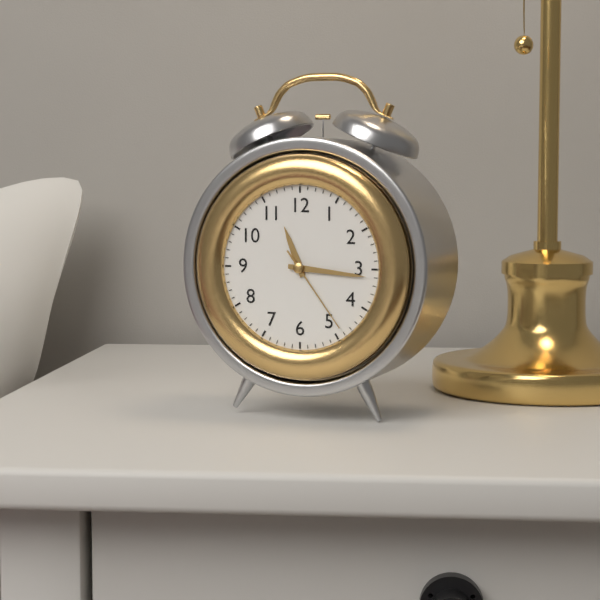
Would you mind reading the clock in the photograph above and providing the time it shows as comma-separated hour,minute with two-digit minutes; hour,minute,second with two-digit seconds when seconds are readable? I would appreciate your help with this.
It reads 11,16,24
